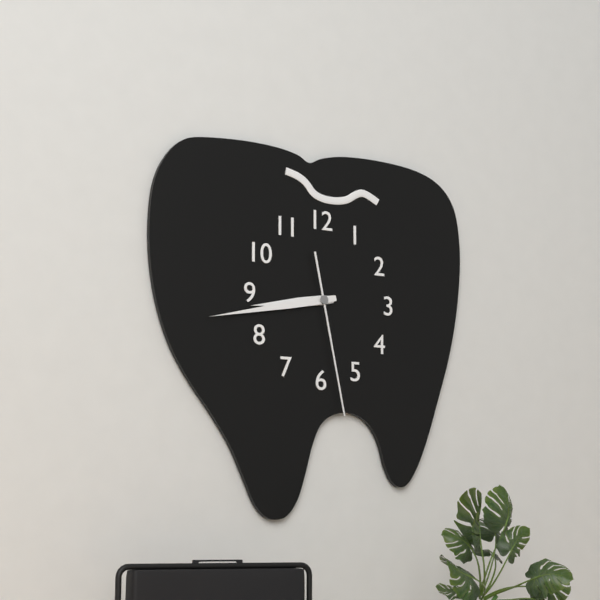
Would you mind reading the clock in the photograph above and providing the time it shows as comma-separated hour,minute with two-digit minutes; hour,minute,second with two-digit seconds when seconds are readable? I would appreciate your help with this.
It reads 8,43,28
